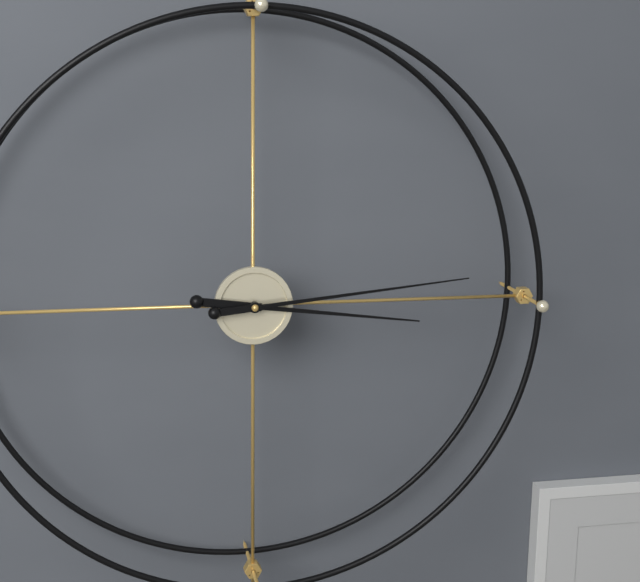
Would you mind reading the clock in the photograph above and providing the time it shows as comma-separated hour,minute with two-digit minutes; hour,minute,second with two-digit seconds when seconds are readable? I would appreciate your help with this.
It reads 3,14
